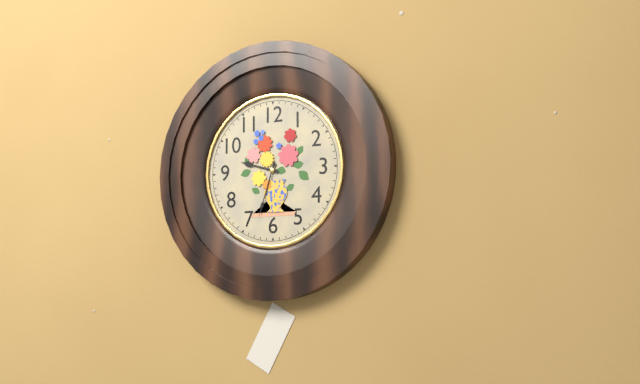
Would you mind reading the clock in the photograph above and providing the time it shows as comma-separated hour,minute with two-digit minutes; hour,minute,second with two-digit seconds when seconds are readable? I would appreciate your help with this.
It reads 9,33
